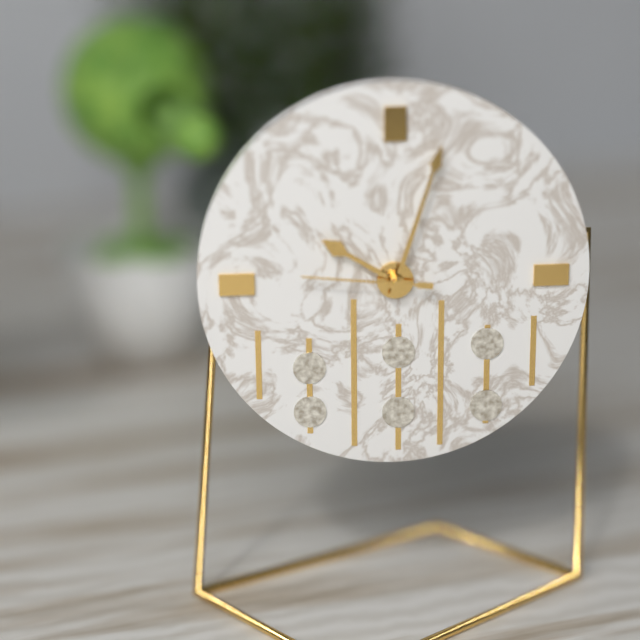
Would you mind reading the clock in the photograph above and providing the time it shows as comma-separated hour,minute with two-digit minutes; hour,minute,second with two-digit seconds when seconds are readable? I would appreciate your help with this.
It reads 10,03,46
